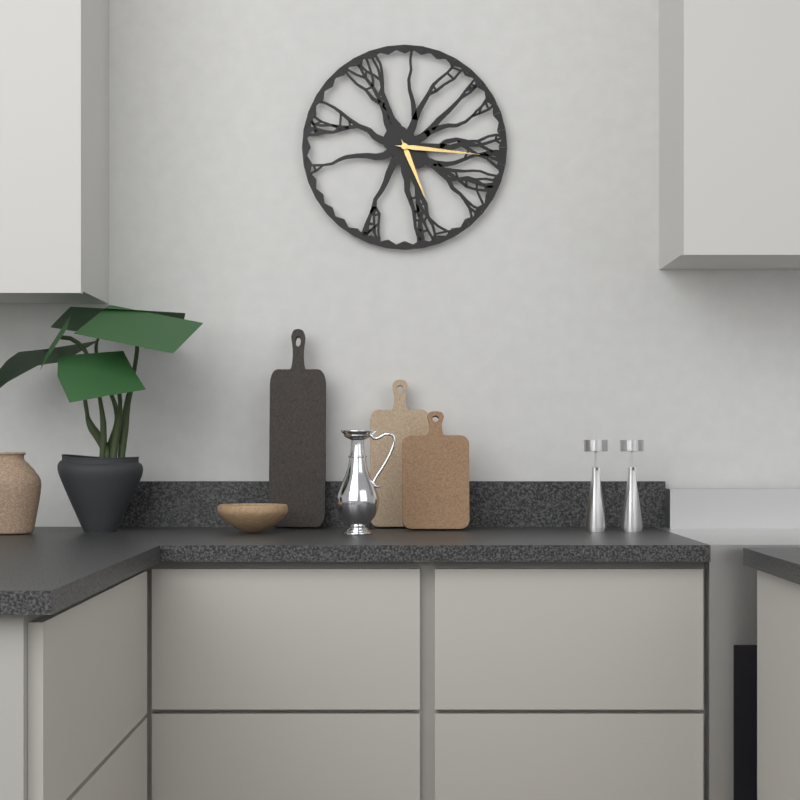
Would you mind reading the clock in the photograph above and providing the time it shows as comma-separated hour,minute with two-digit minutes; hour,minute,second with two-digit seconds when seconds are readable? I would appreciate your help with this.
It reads 5,16
